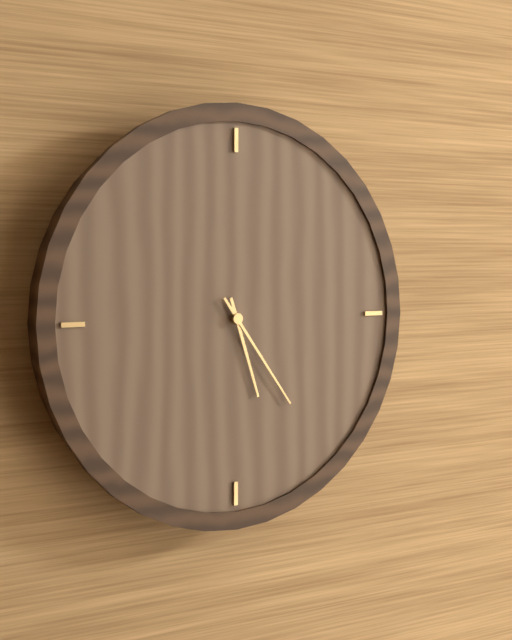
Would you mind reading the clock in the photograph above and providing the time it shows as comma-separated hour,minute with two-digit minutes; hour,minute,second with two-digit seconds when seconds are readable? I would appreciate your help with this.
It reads 5,24
